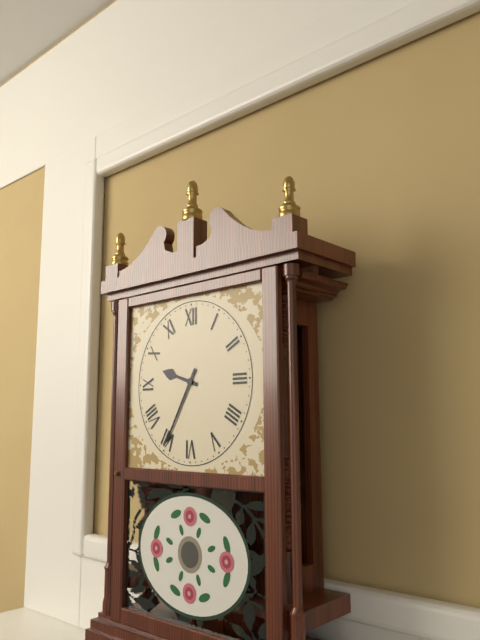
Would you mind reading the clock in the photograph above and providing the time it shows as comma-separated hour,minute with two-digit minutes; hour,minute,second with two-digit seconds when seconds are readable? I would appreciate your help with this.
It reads 9,35
